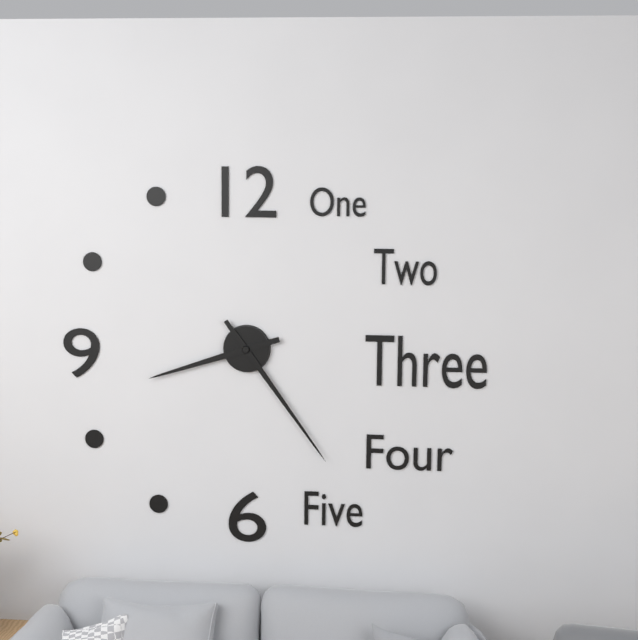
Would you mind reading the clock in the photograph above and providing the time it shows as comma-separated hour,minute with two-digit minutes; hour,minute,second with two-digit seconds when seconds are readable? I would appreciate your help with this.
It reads 8,24
